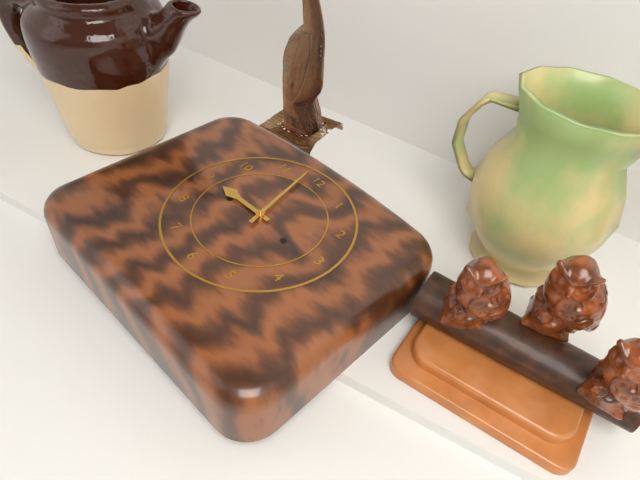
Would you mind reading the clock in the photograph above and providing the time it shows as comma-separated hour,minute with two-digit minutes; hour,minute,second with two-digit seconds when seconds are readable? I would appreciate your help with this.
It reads 8,58
